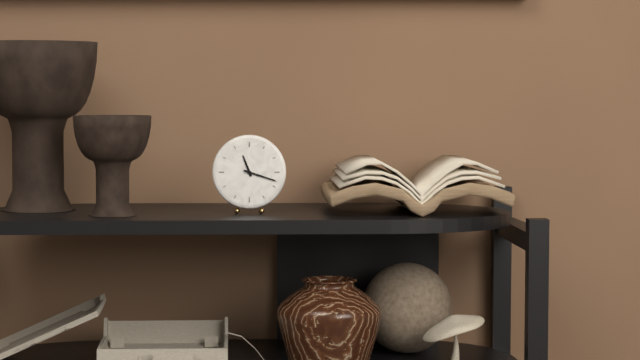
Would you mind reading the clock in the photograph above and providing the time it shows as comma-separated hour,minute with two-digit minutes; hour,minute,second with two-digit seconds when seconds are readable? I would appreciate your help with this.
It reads 11,18
